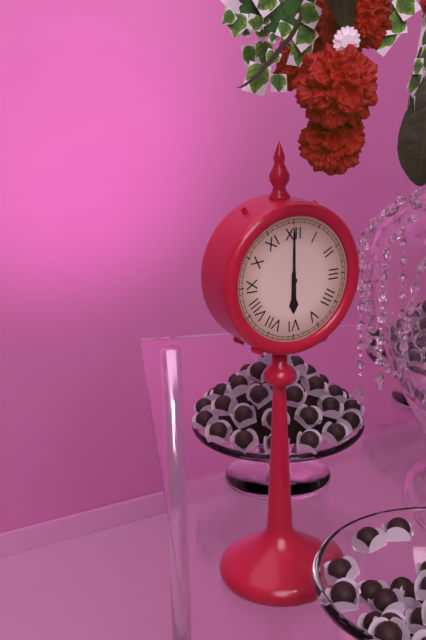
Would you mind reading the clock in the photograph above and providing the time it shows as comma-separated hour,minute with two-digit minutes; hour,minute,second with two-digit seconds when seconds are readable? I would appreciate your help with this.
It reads 6,00
